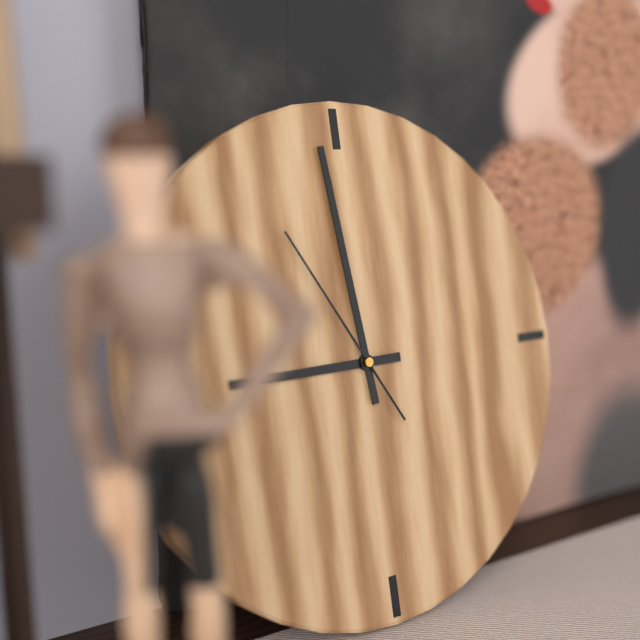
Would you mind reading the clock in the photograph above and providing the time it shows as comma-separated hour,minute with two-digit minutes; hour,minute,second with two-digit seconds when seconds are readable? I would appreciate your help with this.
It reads 8,59,55
